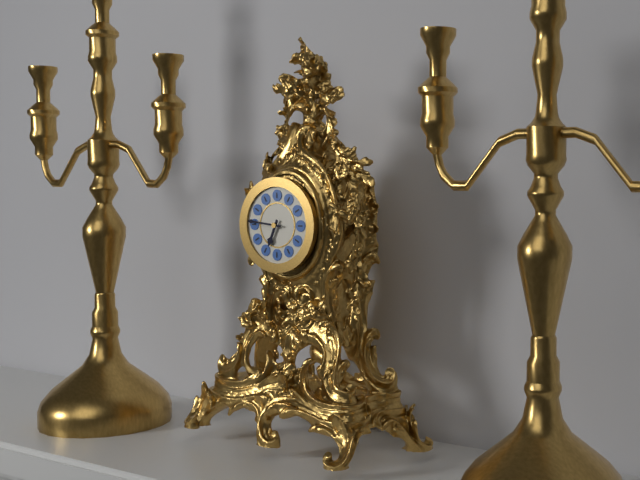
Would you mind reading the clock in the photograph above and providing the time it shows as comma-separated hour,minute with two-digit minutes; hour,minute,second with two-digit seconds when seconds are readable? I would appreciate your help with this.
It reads 6,46
